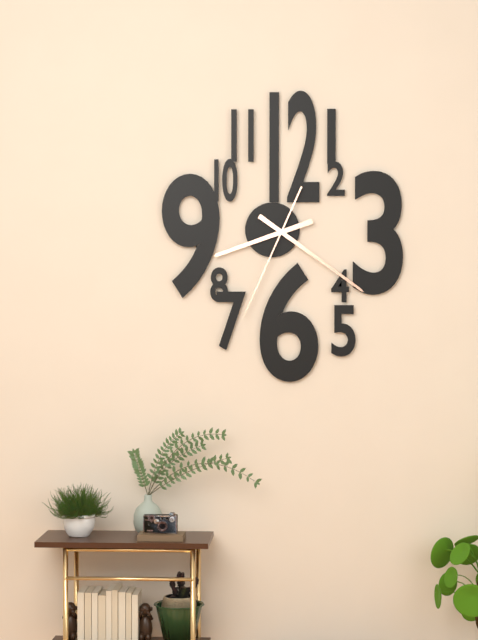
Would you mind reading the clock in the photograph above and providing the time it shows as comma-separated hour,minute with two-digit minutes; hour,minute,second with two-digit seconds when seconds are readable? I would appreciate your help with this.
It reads 8,21,34
